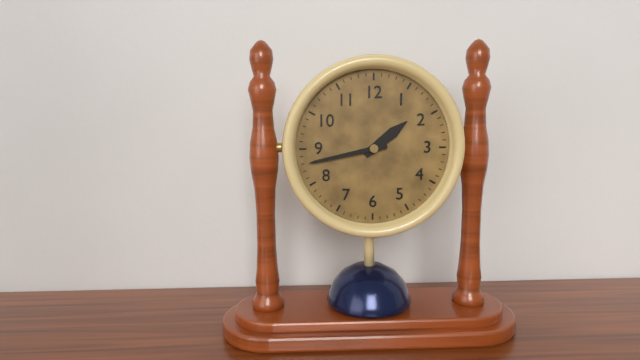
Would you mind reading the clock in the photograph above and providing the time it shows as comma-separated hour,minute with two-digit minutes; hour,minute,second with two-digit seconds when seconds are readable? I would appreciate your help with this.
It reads 1,43
